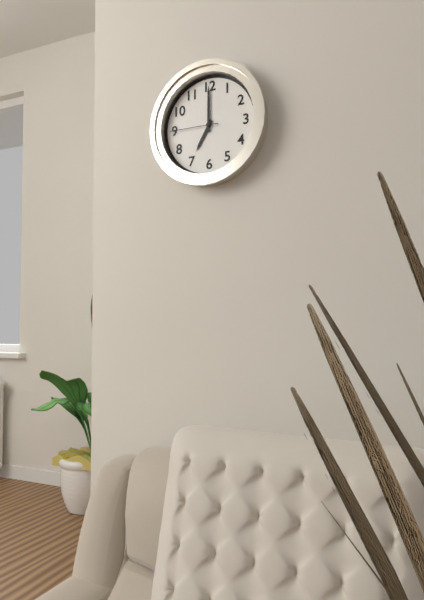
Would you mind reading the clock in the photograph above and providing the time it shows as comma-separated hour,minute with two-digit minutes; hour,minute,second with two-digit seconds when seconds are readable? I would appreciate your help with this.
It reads 7,00
